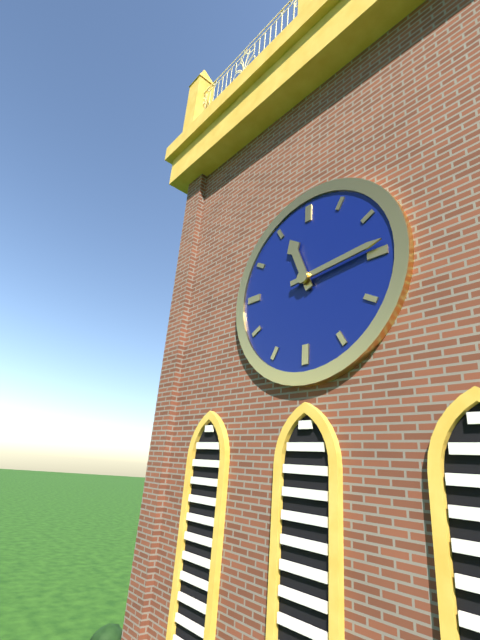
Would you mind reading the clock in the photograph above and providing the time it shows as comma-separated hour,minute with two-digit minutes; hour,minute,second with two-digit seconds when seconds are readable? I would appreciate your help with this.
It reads 11,14
